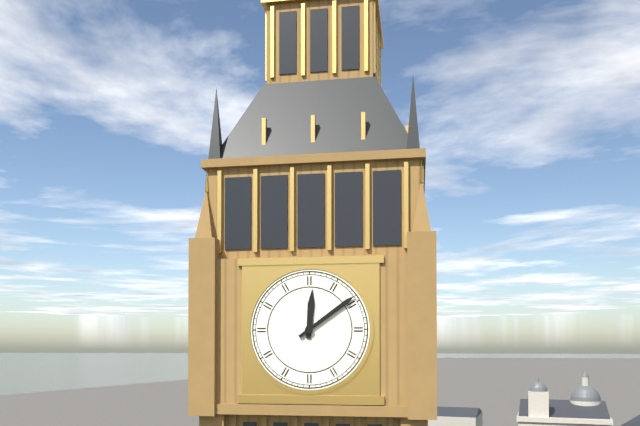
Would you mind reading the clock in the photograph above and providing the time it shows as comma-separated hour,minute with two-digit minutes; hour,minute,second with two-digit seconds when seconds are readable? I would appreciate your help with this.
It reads 12,09
